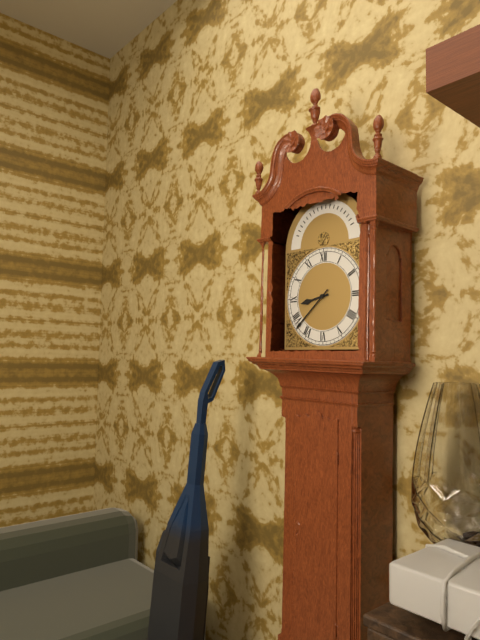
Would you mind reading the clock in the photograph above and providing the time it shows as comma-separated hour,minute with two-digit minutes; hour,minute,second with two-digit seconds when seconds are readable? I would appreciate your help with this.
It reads 8,38
